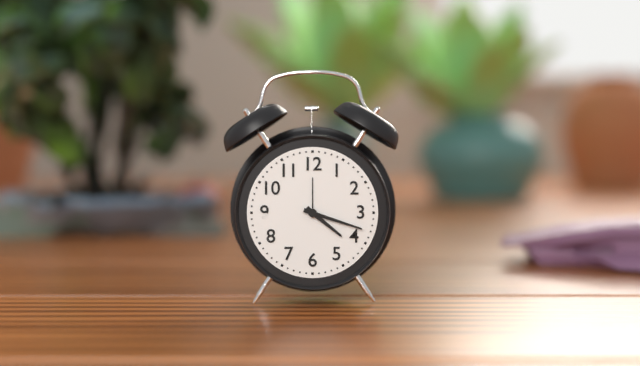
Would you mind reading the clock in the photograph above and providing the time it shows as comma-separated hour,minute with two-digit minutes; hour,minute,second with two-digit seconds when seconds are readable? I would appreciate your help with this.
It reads 4,18
